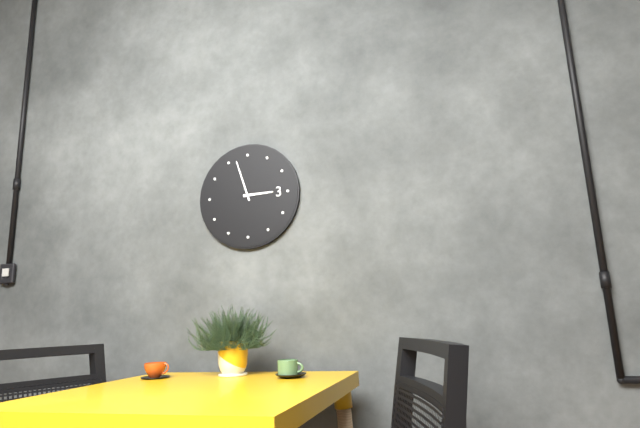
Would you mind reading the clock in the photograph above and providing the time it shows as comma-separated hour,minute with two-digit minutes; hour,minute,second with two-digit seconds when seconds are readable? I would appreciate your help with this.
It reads 2,57
